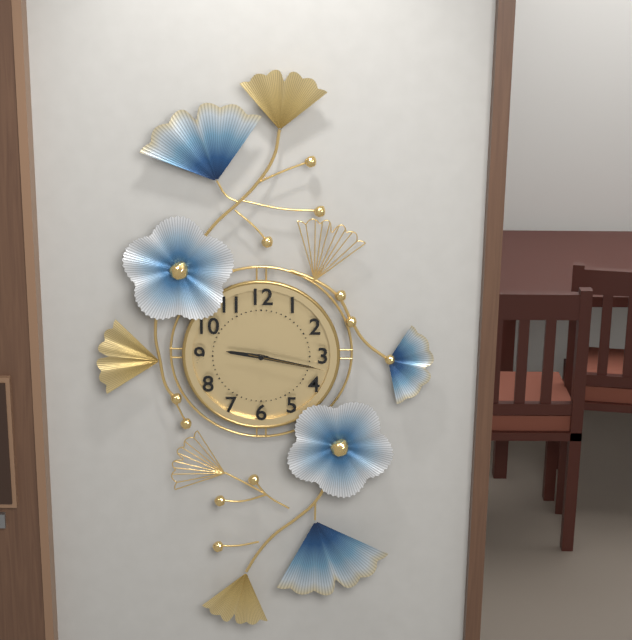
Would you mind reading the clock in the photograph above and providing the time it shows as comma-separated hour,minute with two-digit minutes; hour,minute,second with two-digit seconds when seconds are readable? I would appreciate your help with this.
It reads 9,17,17
